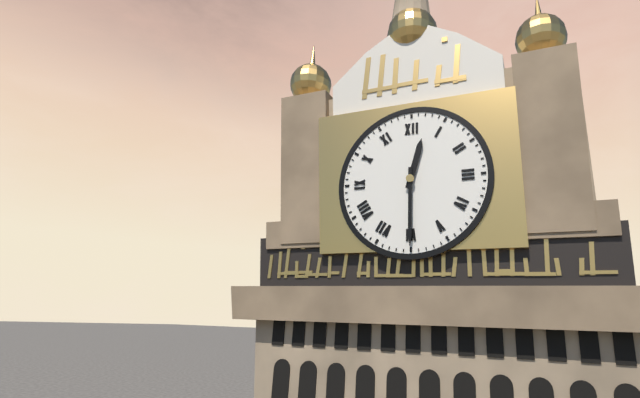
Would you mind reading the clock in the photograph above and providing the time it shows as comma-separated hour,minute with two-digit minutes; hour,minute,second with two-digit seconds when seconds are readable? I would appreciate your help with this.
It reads 12,30
